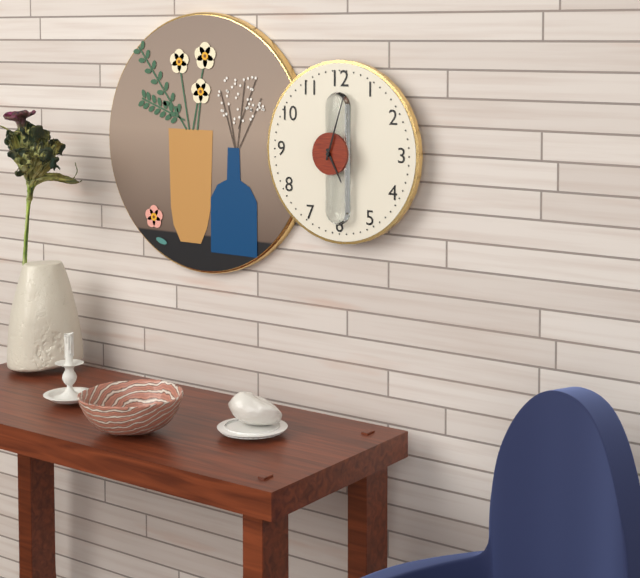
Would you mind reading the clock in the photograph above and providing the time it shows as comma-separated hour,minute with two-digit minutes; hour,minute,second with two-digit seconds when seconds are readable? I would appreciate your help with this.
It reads 5,03
